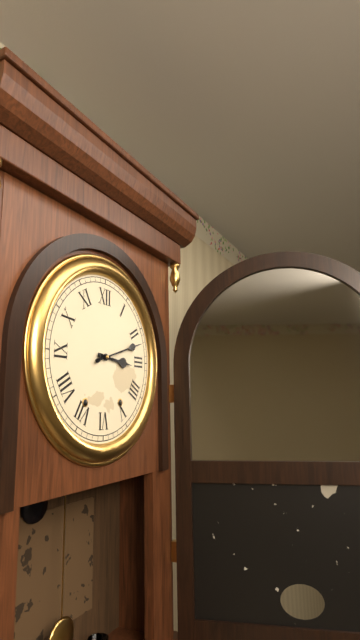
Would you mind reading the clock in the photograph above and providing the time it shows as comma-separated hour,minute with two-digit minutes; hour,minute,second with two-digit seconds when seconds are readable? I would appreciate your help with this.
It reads 3,12
